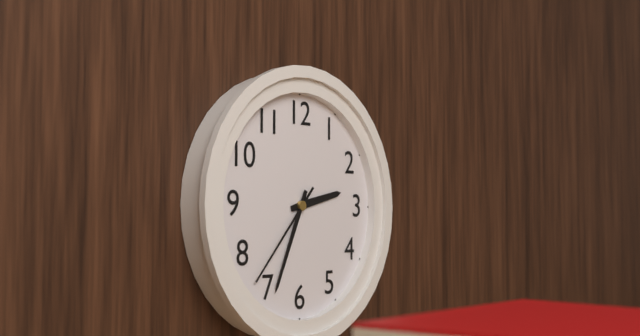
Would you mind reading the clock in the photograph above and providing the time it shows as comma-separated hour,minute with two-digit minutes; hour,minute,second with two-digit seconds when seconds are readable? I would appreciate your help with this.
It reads 2,34,37
